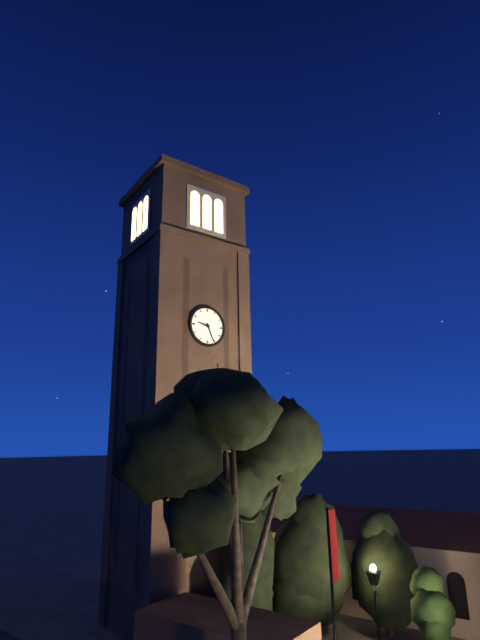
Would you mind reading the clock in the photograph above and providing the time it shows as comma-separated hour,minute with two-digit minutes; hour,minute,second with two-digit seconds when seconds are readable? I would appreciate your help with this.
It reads 9,26
